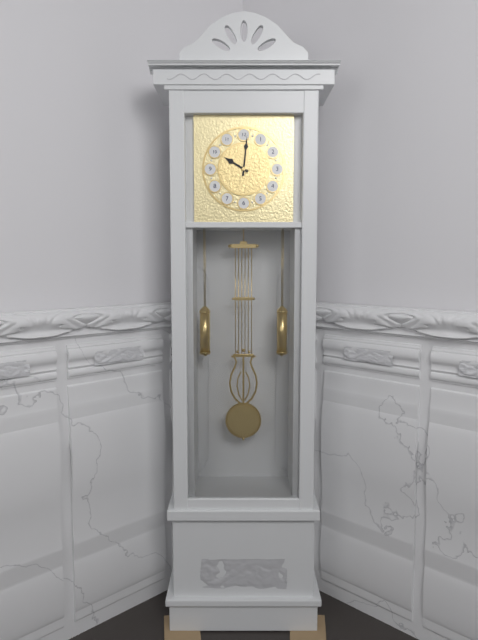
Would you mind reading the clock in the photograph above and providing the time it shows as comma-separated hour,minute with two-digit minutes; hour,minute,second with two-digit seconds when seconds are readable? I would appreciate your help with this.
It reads 10,01
